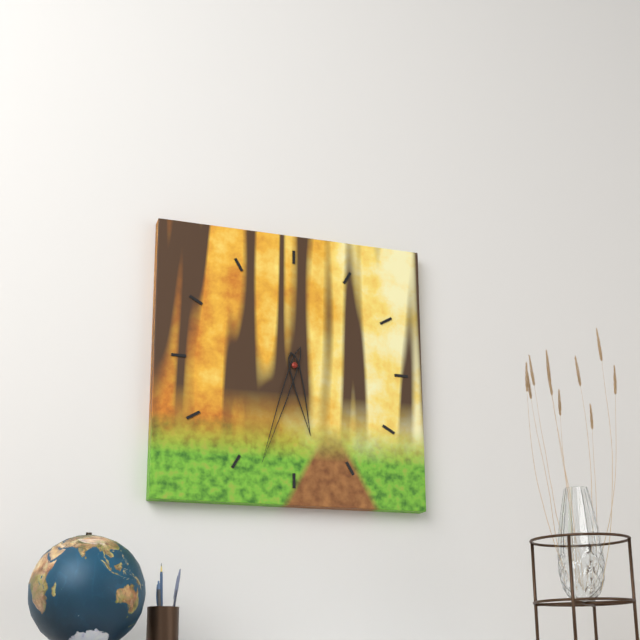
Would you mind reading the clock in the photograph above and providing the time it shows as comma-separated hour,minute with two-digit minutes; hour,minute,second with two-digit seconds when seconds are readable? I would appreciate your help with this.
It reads 5,33
